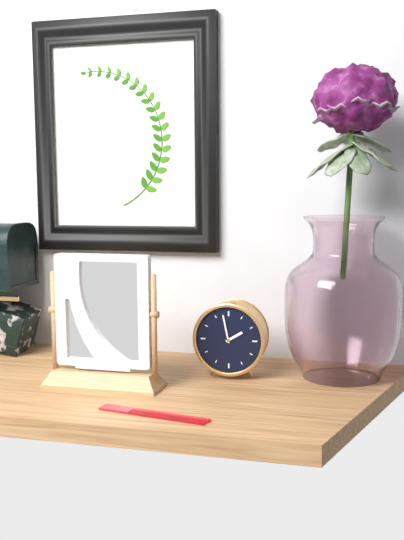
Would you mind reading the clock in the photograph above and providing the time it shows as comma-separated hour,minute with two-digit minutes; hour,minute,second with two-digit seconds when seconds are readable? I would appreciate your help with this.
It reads 1,58
